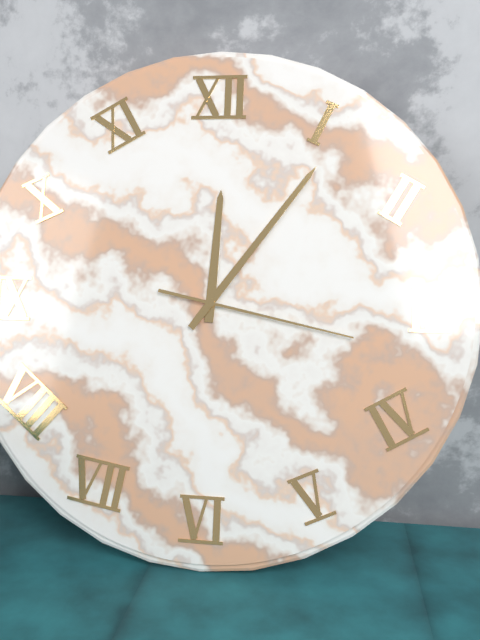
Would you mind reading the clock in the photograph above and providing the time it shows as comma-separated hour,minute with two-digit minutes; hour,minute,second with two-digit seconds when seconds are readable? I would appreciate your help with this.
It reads 12,06,17
